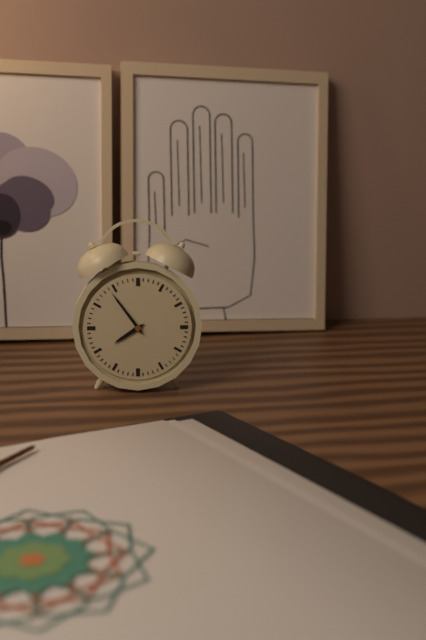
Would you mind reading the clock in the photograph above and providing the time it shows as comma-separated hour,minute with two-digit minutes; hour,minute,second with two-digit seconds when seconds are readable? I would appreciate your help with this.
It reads 7,54
